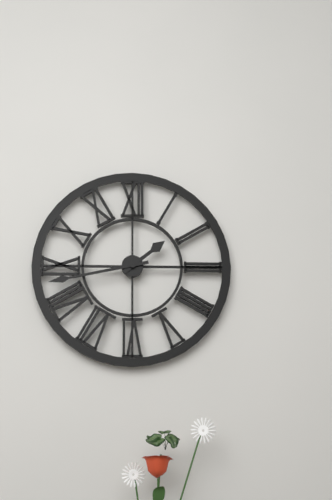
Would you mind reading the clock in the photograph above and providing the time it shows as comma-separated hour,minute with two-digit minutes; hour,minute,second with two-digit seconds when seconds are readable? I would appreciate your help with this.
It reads 1,43
